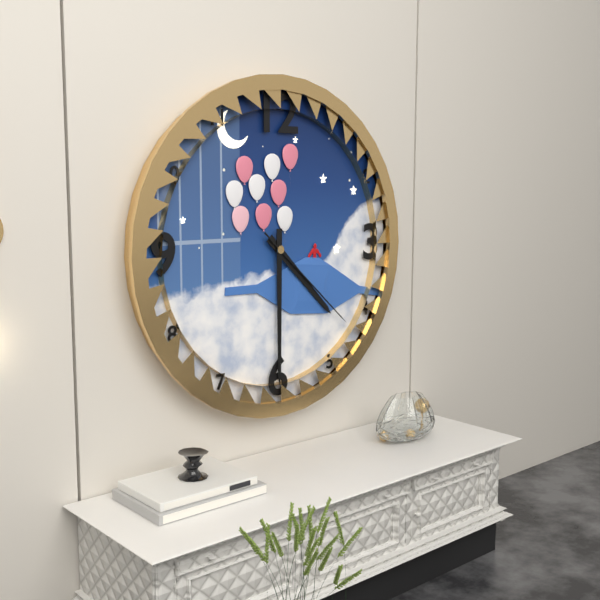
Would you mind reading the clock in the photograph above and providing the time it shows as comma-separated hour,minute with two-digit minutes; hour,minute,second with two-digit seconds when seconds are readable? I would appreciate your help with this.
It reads 4,30,22
